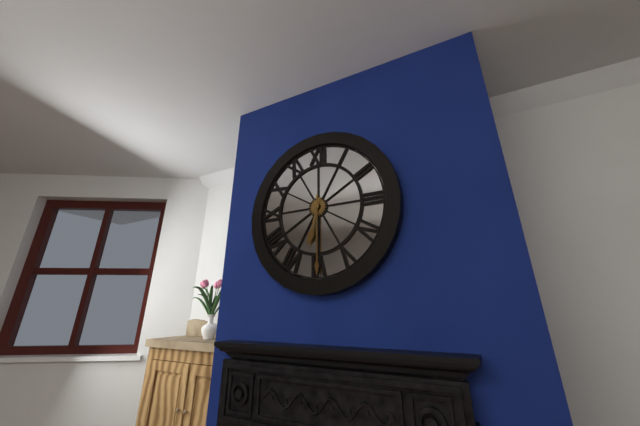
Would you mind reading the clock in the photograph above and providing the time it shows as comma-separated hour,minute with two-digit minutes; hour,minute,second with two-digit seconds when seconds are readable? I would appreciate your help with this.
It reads 6,30
